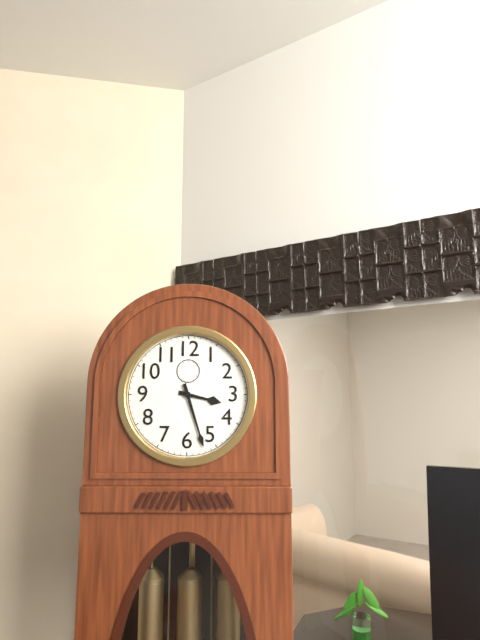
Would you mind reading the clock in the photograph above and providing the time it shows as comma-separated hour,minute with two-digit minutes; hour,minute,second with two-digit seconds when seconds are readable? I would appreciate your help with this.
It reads 3,27
